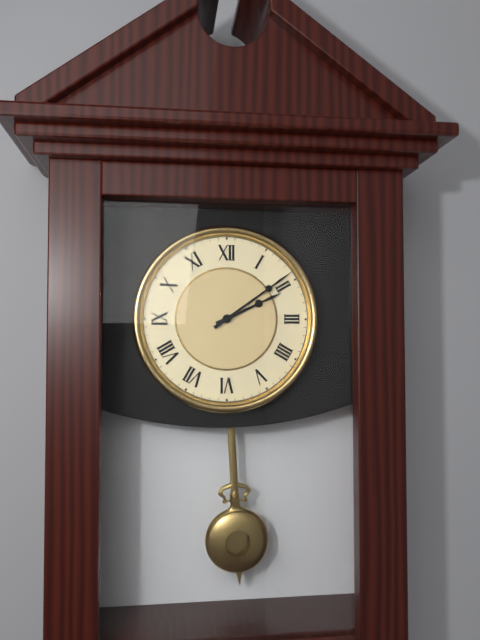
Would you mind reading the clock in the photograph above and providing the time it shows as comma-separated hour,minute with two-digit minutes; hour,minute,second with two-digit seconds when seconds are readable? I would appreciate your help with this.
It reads 2,09
